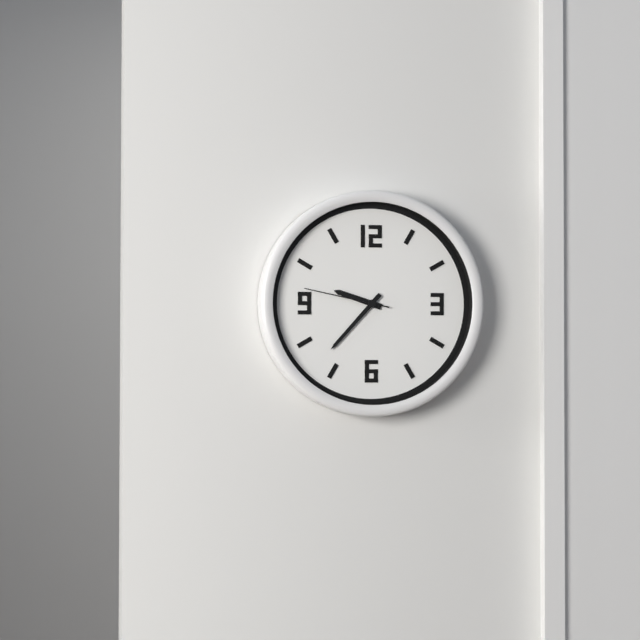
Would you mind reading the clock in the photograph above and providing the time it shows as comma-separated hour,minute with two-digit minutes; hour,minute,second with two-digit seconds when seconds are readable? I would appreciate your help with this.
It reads 9,37,47
